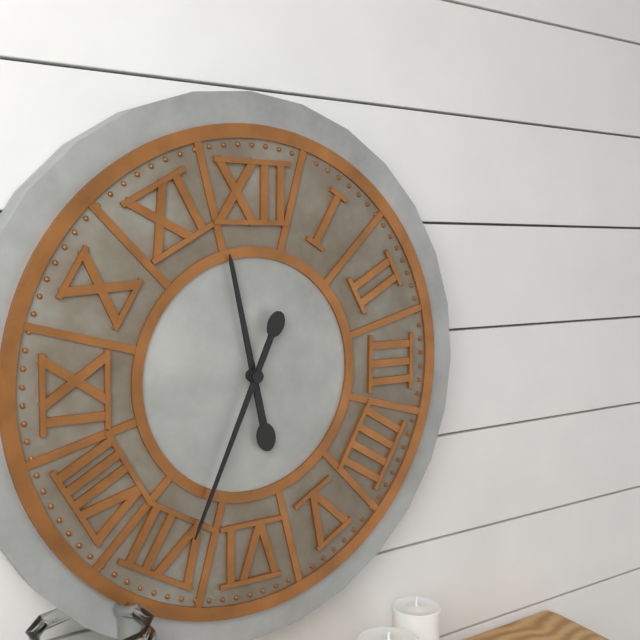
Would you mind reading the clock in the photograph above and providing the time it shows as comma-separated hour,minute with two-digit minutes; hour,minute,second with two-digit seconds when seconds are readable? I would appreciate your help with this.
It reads 11,34
